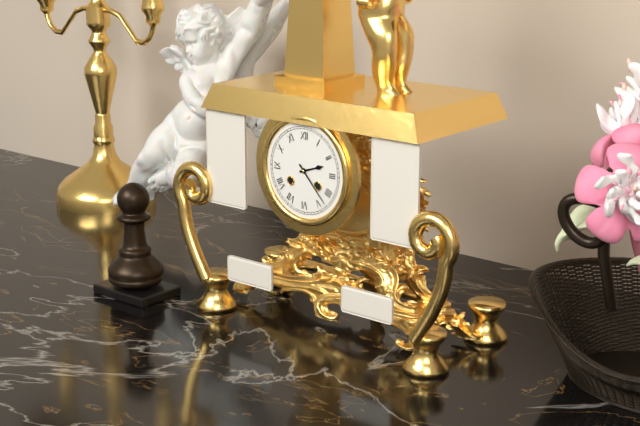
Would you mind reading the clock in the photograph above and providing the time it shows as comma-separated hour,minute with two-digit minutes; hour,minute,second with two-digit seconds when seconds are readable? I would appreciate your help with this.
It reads 2,23
